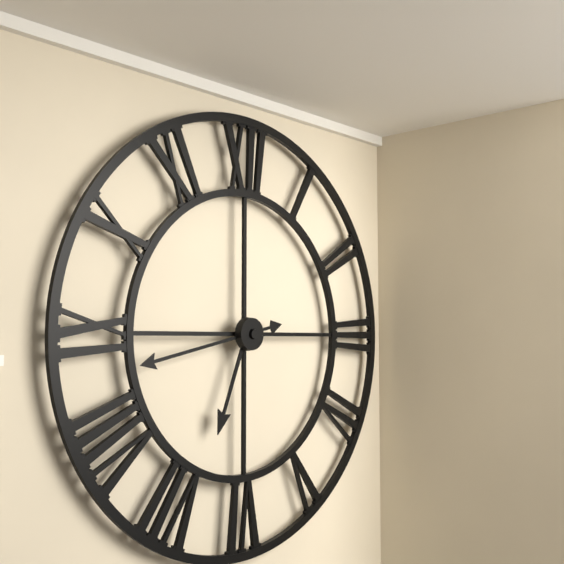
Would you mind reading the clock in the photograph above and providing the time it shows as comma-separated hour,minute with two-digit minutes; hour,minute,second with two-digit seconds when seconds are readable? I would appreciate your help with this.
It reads 6,43
